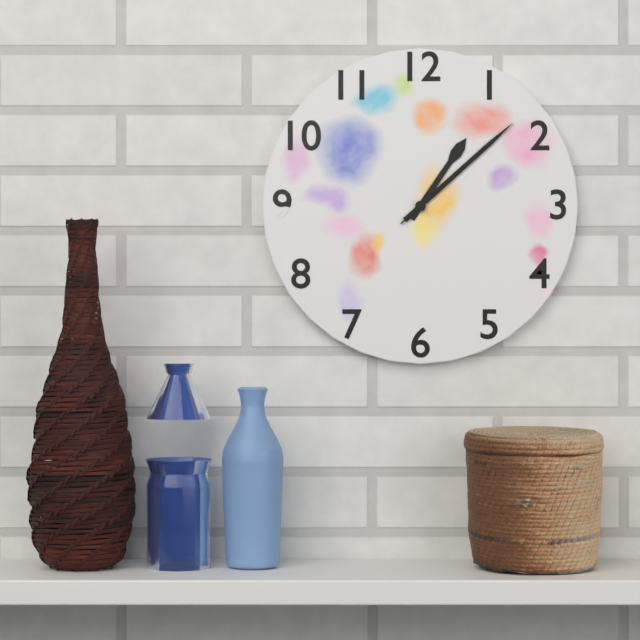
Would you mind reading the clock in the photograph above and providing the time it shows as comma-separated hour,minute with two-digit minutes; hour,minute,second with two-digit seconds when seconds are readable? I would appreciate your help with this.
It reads 1,08,08
